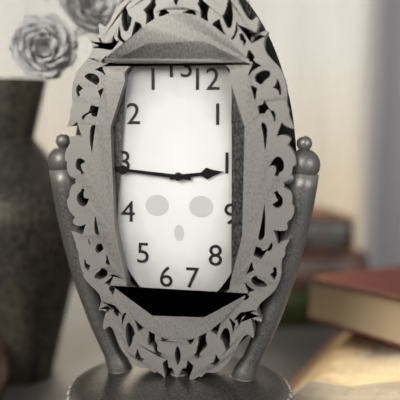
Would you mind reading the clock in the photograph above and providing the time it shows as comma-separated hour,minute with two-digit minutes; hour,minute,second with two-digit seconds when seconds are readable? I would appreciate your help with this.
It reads 2,46
